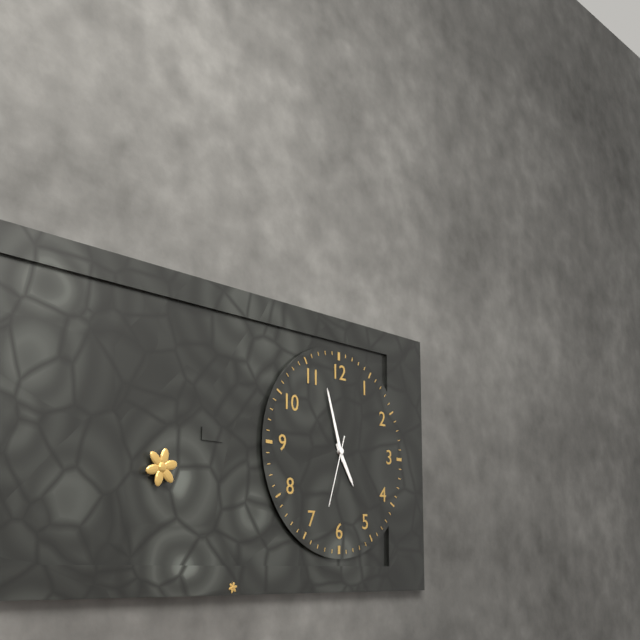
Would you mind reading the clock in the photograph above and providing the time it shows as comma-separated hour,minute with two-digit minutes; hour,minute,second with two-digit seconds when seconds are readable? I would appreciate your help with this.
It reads 4,57,33
